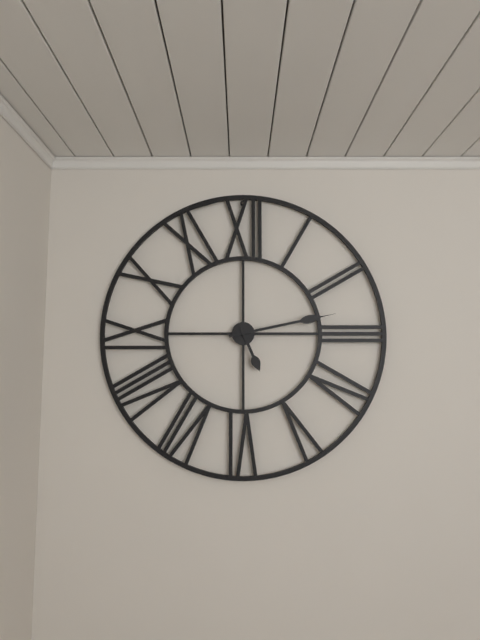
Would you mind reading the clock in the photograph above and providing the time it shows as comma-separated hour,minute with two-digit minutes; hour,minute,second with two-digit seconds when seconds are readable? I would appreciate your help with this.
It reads 5,13
